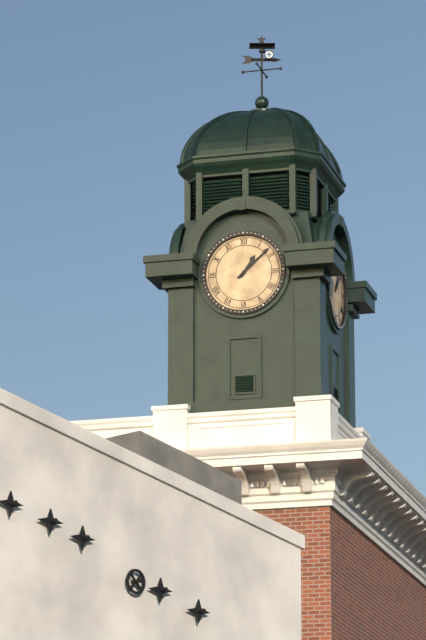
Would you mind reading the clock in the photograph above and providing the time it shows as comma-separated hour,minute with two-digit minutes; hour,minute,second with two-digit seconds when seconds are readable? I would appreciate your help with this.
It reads 1,08
